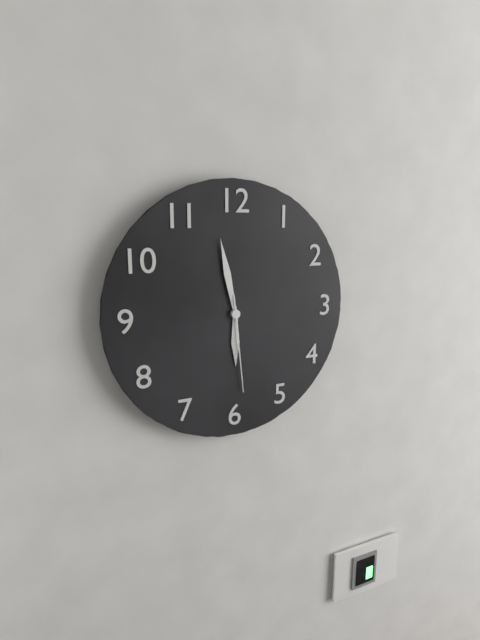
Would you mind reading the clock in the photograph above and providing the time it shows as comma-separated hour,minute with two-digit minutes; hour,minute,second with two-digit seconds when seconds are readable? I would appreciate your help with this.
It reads 5,58,29
